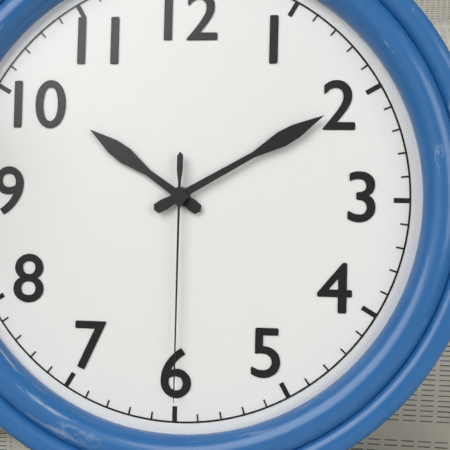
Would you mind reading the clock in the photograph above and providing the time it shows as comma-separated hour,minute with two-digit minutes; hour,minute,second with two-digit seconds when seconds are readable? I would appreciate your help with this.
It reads 10,10,30
